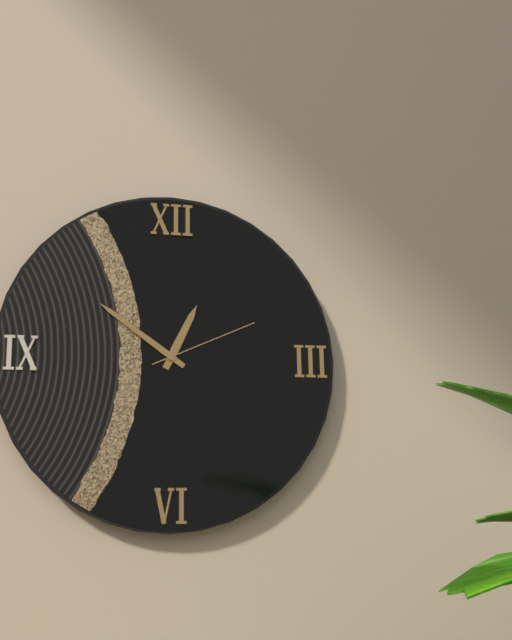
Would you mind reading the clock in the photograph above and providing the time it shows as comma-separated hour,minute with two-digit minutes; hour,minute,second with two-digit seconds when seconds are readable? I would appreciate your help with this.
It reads 12,51,11
